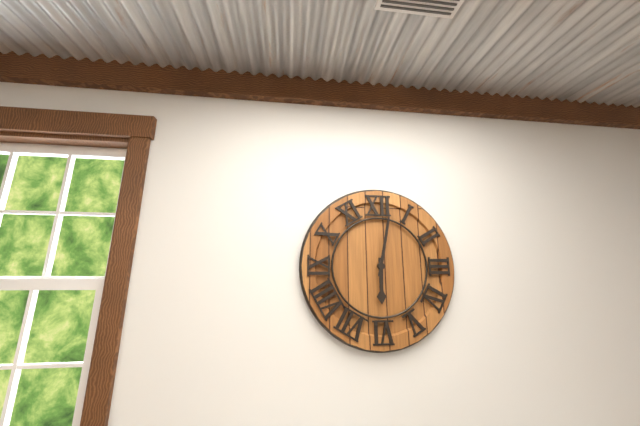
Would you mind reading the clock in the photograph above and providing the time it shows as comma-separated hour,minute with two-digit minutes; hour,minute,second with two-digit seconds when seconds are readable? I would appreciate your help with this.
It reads 6,02
